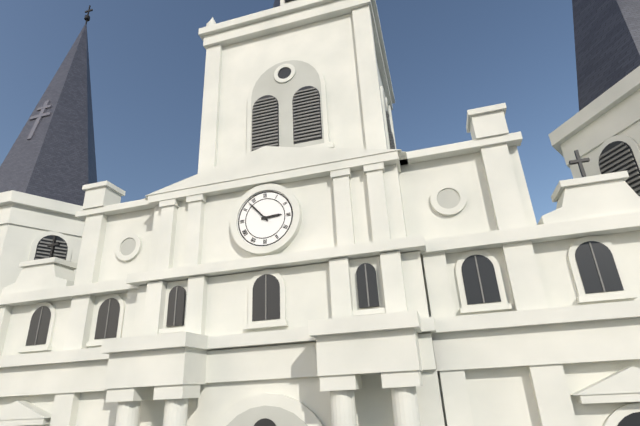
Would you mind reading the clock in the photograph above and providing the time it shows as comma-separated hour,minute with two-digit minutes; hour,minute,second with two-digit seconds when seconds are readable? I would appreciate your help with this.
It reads 2,53
